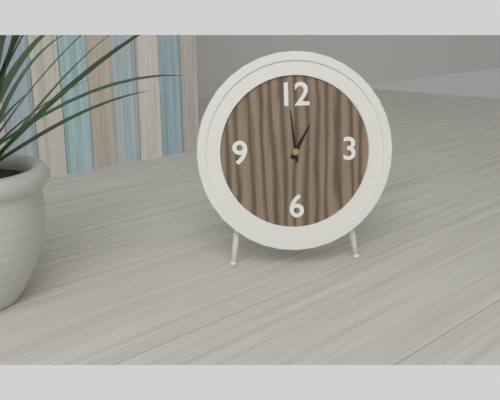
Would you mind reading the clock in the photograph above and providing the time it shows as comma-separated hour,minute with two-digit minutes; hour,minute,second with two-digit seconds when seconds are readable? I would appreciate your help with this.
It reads 12,59
